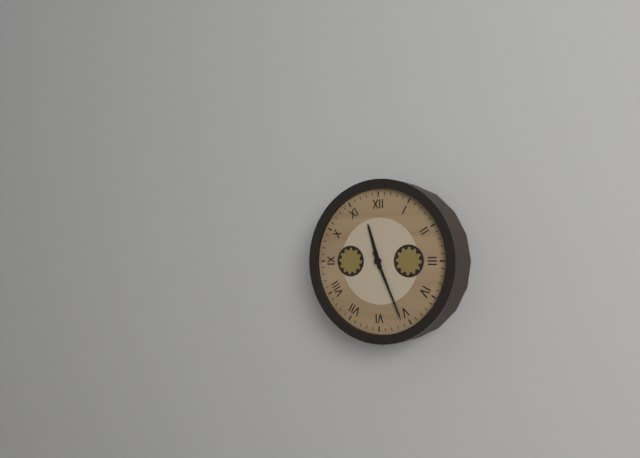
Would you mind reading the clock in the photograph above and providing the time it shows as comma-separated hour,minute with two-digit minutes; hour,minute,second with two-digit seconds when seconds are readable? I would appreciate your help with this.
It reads 11,26
